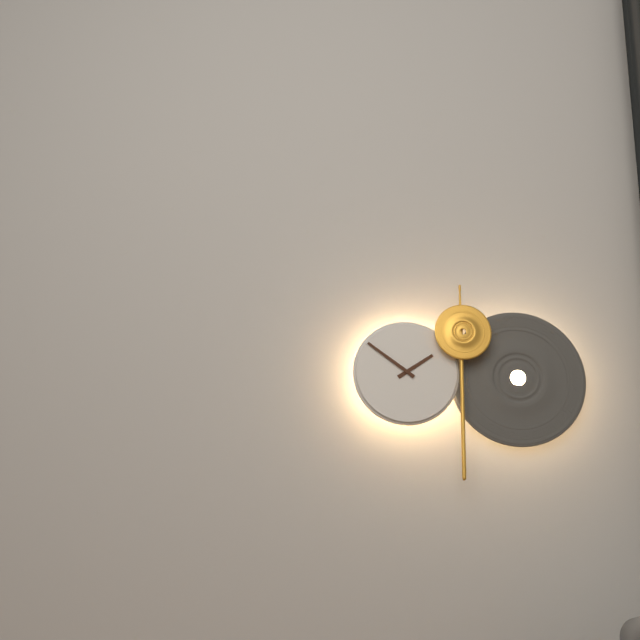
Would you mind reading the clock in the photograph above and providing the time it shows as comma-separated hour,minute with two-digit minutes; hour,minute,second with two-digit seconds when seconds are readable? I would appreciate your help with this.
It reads 1,51
